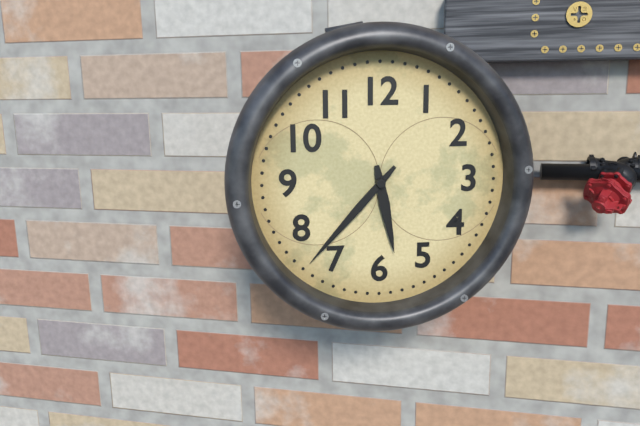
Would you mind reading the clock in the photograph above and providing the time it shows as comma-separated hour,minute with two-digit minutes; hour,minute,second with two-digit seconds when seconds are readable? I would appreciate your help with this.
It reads 5,37
